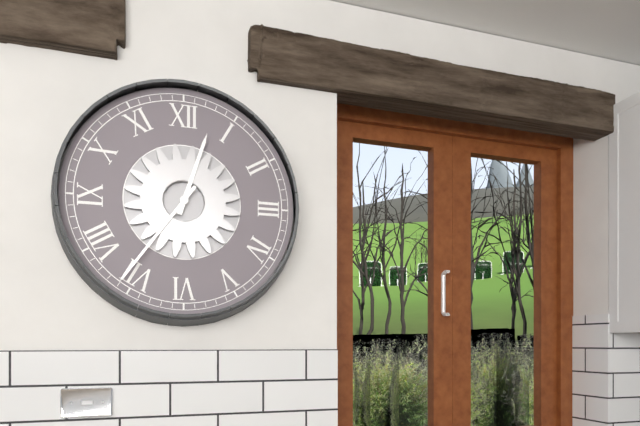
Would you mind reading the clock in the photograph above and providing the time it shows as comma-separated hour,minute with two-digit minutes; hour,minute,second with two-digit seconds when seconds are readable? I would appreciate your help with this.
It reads 12,36
